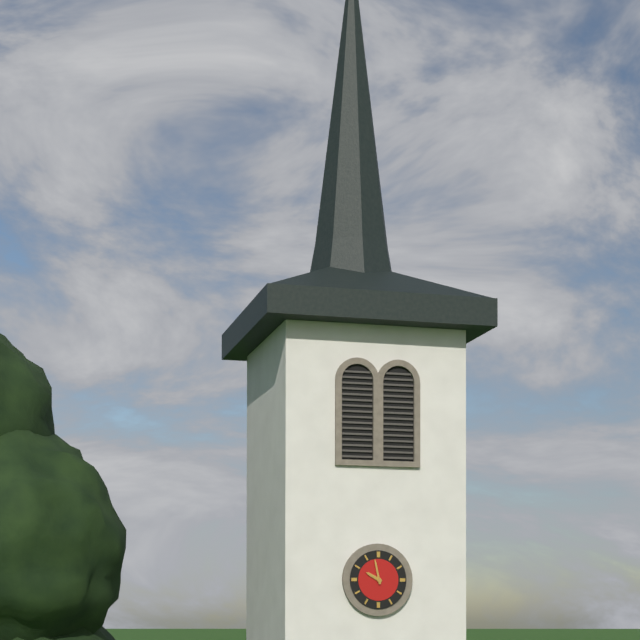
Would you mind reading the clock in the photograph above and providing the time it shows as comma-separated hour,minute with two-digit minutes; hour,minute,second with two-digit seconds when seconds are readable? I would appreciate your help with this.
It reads 9,58
